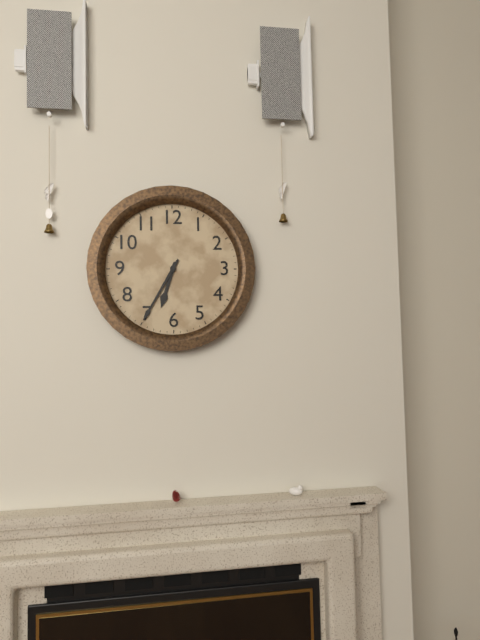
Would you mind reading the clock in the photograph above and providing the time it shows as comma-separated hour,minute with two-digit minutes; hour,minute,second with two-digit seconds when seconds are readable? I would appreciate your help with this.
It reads 6,35
